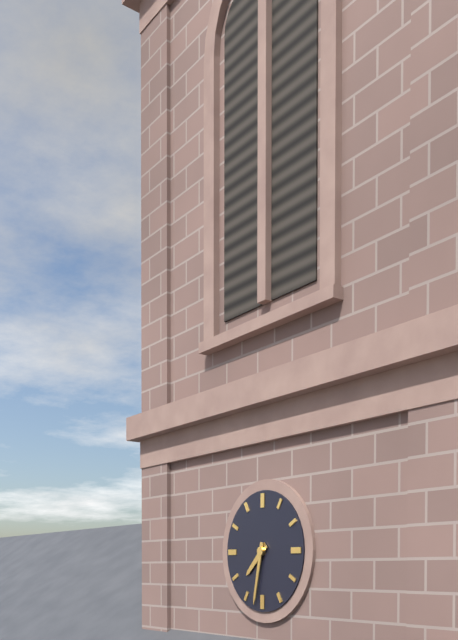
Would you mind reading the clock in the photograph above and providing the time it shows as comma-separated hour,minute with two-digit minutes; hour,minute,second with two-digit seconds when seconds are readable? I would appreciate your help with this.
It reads 7,32
